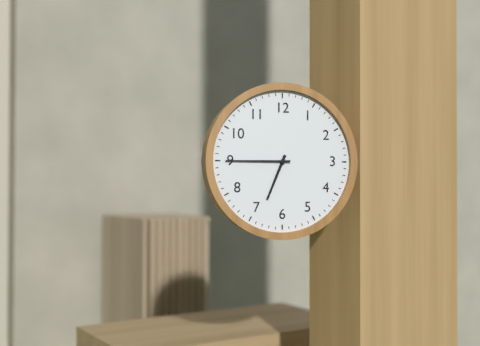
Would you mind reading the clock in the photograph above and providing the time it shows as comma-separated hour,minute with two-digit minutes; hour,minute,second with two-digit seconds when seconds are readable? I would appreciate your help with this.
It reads 6,45
